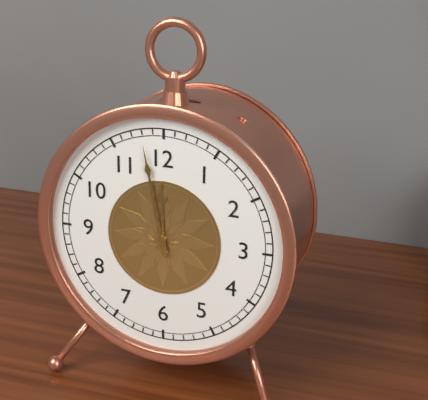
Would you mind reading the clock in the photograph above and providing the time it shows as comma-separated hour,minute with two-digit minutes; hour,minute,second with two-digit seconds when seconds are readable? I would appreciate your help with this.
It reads 11,58
